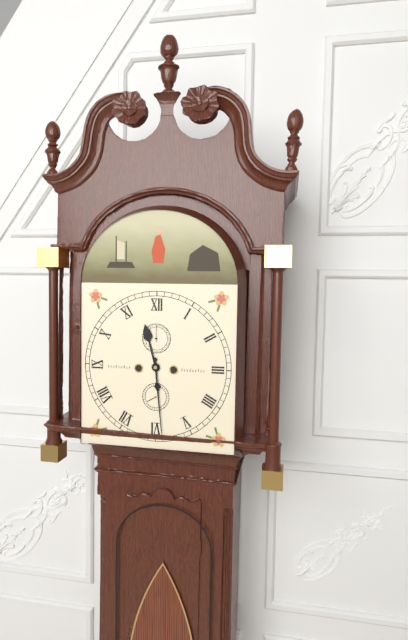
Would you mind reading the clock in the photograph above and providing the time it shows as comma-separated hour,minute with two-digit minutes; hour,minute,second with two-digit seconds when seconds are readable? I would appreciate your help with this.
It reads 11,29
